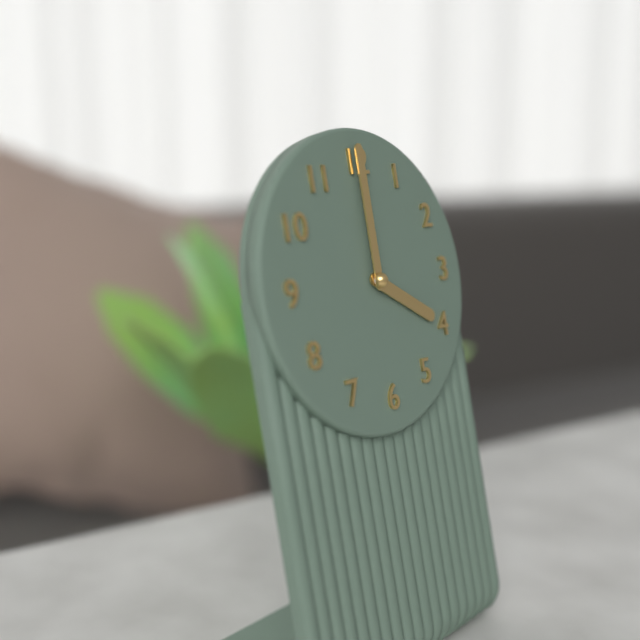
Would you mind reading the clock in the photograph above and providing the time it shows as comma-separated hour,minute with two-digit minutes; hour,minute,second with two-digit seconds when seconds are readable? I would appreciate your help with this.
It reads 4,00
